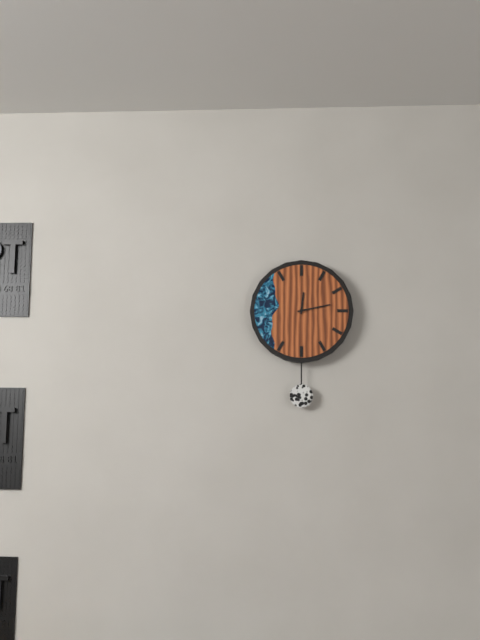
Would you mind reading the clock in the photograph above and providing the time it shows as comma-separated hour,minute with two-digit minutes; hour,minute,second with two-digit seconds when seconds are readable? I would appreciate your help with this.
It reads 12,13
